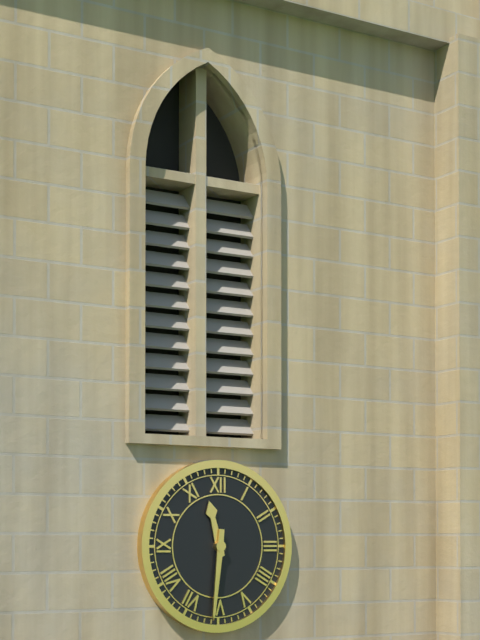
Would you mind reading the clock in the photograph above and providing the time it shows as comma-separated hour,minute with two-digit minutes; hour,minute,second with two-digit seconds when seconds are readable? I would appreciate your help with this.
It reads 11,31
